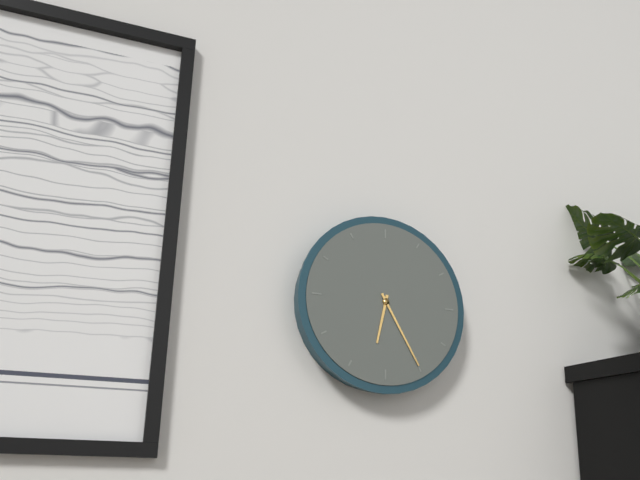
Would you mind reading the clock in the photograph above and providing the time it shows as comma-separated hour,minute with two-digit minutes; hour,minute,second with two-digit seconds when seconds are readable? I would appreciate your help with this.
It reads 6,25
